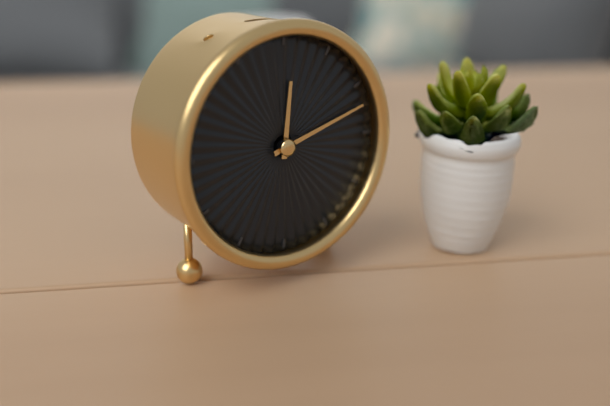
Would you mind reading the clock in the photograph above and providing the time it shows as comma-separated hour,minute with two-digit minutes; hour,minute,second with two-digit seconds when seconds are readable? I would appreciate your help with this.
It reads 12,12
